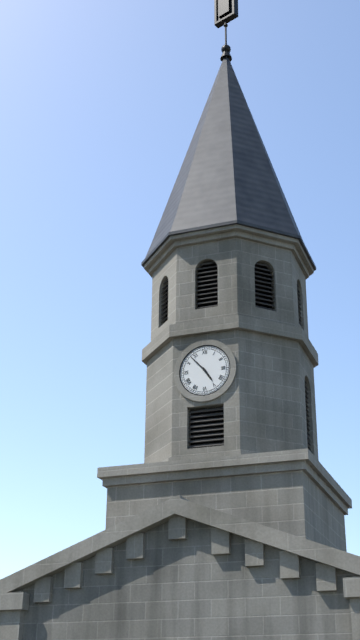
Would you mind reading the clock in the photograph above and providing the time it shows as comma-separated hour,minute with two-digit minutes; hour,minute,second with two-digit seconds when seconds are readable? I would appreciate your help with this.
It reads 4,53
